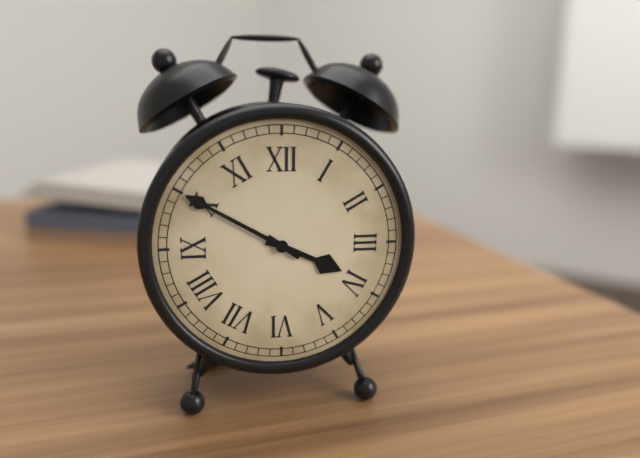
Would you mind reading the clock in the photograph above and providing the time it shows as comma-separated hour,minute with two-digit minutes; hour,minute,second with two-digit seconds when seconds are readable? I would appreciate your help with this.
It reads 3,50
